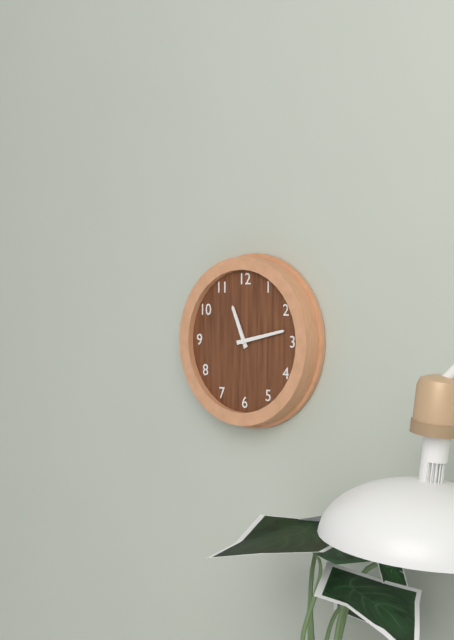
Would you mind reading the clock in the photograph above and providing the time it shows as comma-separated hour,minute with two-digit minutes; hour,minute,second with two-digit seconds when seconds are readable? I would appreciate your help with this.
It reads 11,13
